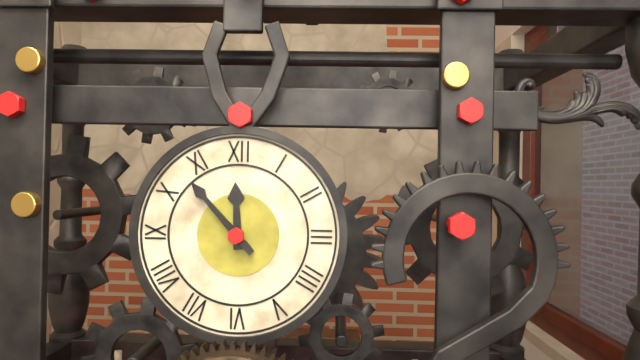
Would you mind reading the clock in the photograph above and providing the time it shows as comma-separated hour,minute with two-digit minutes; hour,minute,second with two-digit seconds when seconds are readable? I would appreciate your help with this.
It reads 11,53
